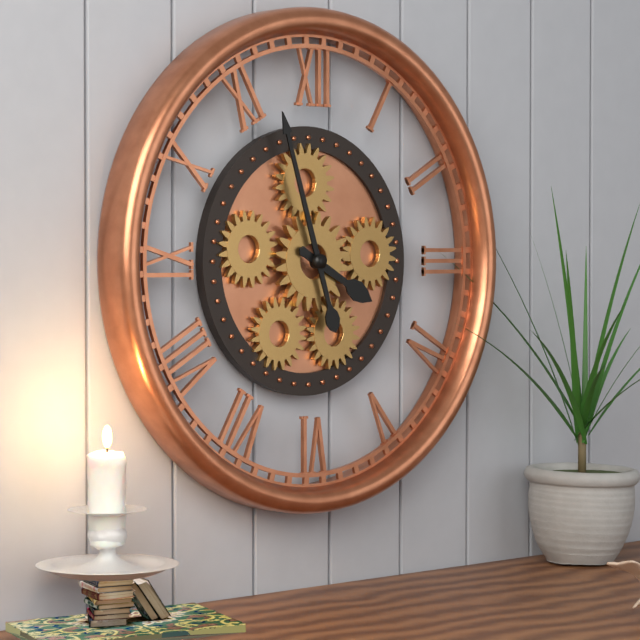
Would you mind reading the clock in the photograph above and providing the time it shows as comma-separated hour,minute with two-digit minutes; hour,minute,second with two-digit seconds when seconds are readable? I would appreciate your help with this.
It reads 3,57
